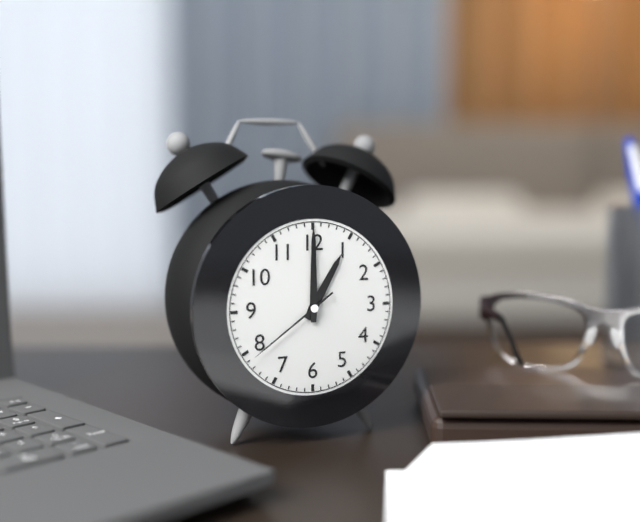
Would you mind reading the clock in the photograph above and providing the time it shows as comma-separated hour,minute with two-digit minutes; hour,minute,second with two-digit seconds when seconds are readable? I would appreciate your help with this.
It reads 1,00,39
